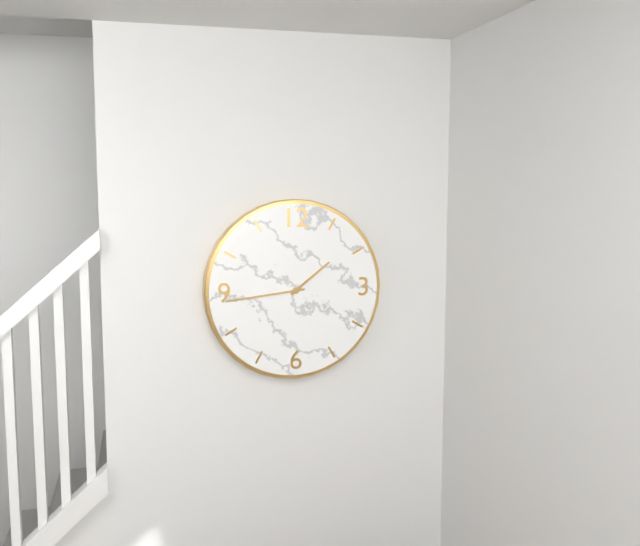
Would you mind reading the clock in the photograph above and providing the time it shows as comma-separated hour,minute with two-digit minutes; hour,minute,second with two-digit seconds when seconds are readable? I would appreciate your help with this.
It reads 1,44
